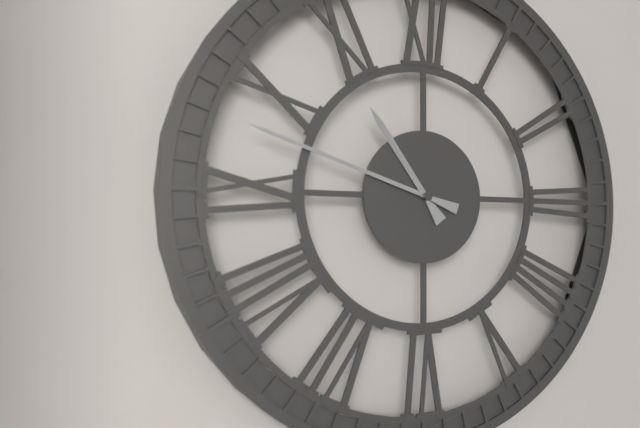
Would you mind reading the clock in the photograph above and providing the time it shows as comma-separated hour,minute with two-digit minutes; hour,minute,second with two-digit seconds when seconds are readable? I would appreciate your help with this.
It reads 10,48
